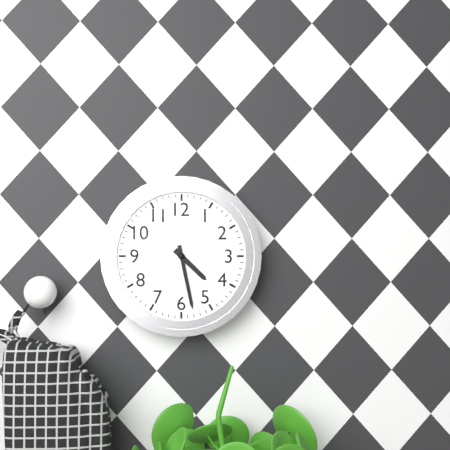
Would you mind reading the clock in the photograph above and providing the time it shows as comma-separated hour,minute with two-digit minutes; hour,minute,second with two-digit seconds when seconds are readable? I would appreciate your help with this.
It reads 4,28
